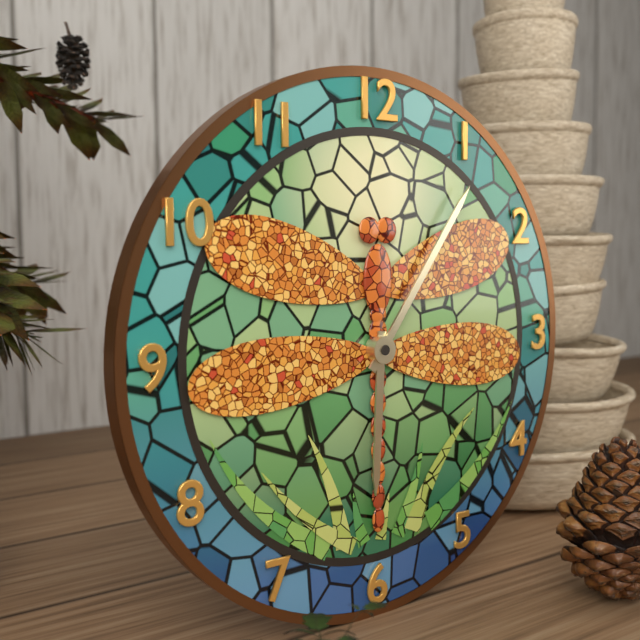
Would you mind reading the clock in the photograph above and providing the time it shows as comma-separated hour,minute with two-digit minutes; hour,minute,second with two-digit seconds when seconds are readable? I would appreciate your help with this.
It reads 6,06
